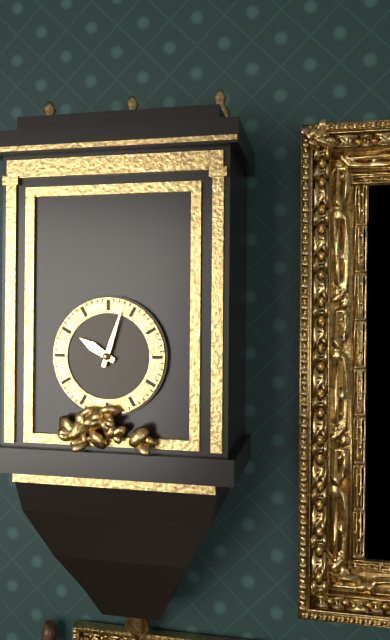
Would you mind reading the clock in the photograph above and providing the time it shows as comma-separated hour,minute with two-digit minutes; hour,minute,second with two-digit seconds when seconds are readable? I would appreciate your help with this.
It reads 10,03
